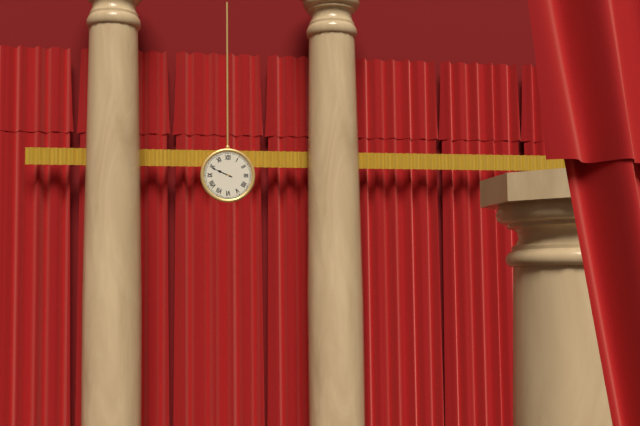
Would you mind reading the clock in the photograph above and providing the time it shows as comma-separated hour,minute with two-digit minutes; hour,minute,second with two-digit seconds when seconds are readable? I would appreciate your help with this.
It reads 9,49
